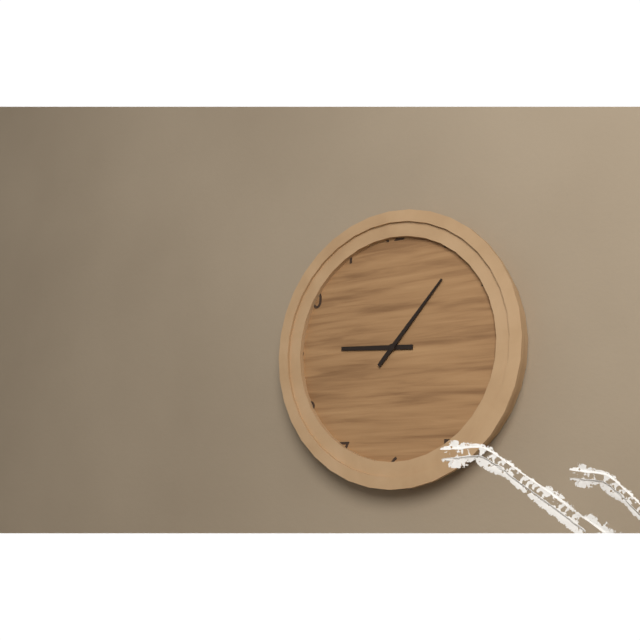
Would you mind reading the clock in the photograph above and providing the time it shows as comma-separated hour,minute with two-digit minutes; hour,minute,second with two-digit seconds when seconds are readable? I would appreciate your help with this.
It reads 9,07
